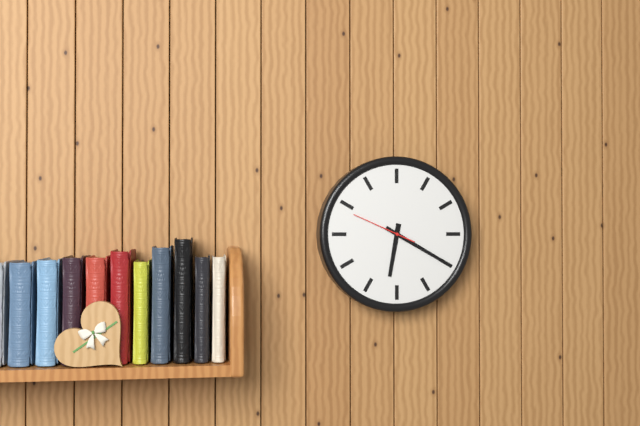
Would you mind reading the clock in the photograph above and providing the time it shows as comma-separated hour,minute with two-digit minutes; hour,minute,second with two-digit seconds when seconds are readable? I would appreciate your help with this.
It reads 6,20,49
